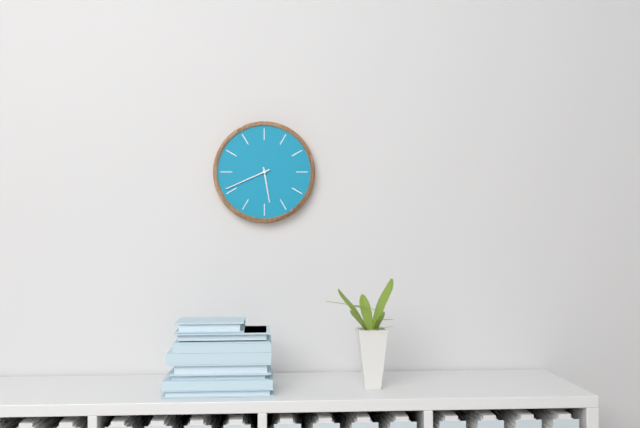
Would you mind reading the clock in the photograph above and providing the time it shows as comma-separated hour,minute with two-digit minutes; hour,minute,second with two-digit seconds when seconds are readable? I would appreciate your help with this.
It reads 5,41
